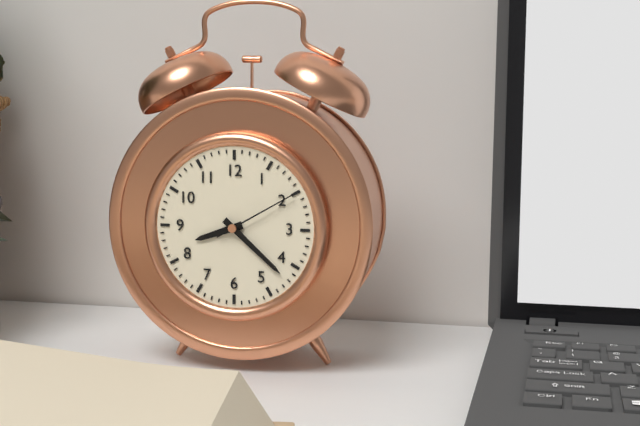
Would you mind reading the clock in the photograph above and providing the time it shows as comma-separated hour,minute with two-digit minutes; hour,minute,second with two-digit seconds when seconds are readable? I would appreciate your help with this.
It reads 8,22,10
